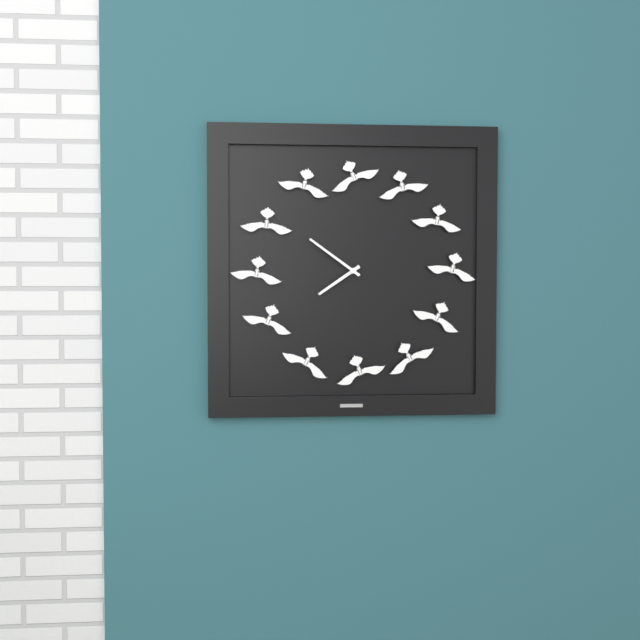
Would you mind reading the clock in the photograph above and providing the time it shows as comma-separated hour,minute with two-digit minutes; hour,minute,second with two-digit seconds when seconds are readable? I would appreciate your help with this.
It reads 7,51
